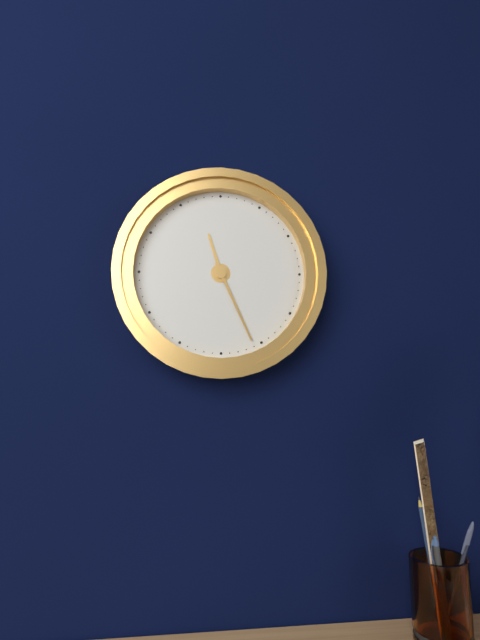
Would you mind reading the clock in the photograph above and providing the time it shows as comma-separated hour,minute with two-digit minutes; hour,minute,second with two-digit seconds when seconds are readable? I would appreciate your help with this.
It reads 11,26
